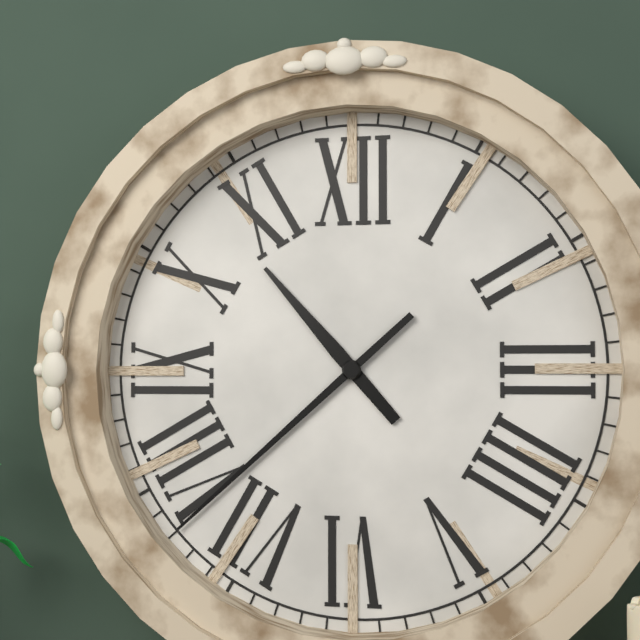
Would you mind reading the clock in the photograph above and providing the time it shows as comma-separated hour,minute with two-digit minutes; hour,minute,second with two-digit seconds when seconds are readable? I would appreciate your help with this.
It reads 10,38
